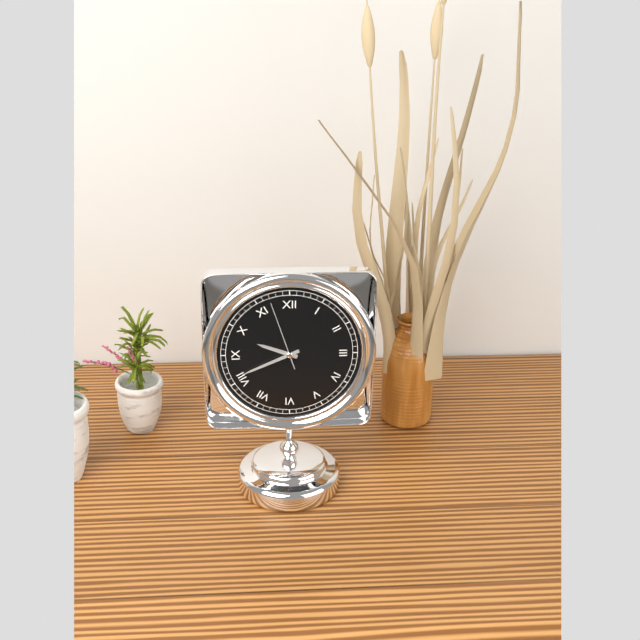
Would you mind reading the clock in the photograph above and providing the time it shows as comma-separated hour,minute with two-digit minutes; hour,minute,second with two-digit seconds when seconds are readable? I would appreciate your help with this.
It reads 9,41,57
